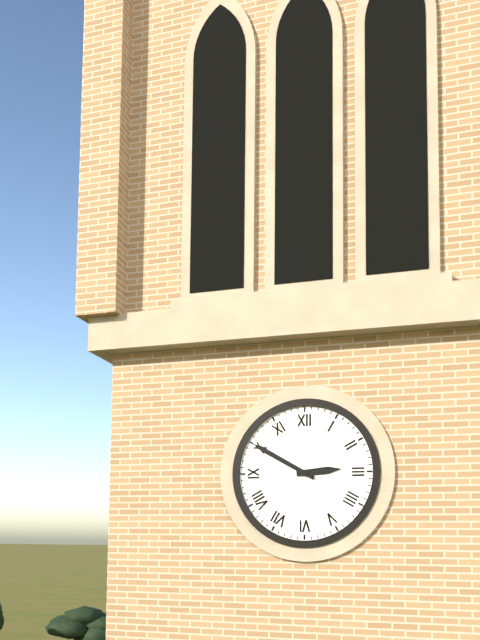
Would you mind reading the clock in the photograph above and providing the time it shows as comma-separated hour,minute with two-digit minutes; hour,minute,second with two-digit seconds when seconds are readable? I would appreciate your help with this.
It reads 2,50
